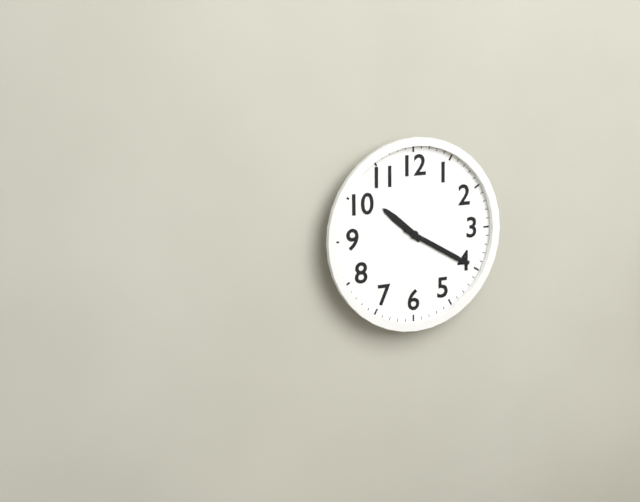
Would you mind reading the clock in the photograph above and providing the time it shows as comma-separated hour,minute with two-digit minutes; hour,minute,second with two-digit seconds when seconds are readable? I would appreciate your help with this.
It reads 10,20
